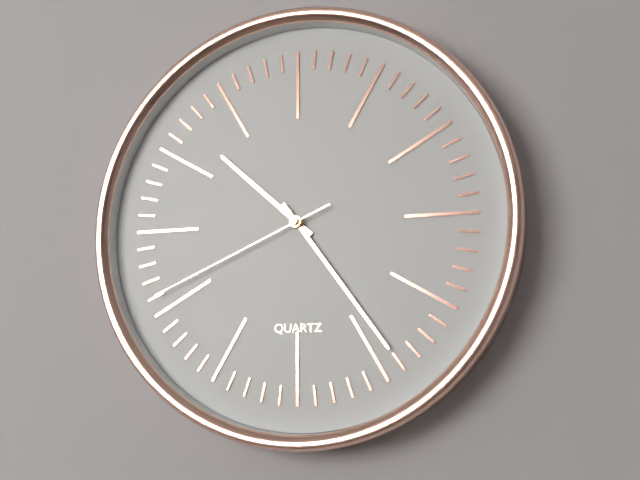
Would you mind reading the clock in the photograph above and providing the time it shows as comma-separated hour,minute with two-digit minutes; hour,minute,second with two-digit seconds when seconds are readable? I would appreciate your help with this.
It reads 10,24,41
